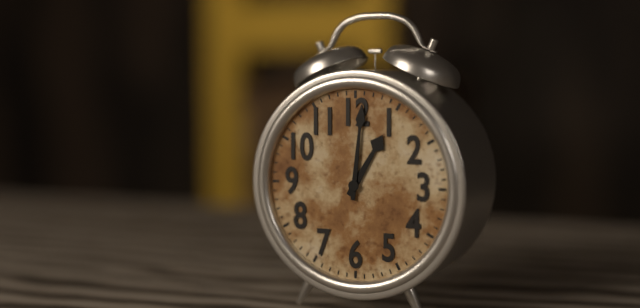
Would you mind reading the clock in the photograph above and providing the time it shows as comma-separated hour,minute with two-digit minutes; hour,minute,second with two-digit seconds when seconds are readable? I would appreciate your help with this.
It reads 1,01
